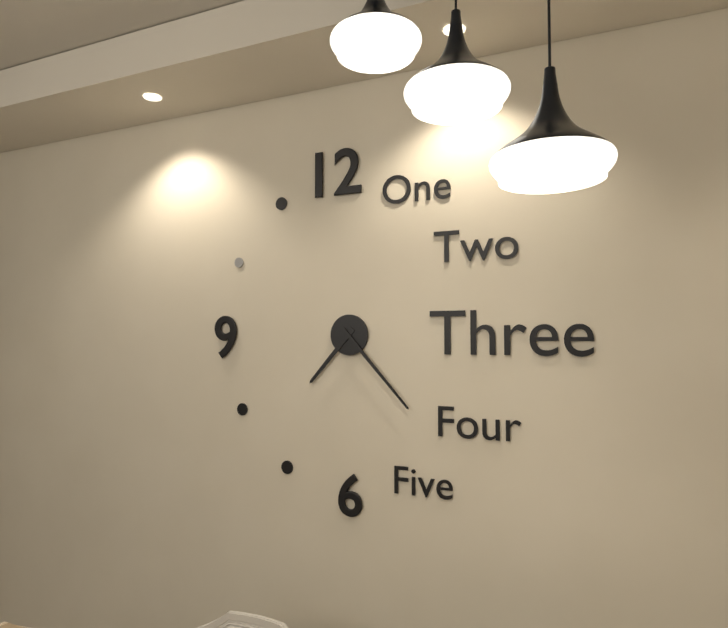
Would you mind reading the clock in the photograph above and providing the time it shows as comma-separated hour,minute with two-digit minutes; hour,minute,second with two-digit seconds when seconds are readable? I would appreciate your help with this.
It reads 7,23
